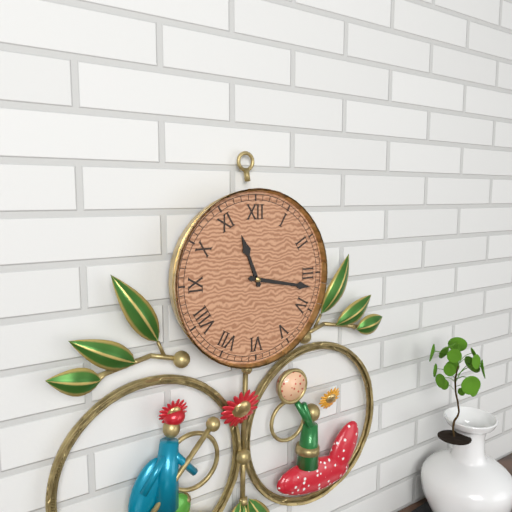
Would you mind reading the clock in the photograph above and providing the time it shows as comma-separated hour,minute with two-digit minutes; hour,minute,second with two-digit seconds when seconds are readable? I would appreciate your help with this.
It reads 11,17
